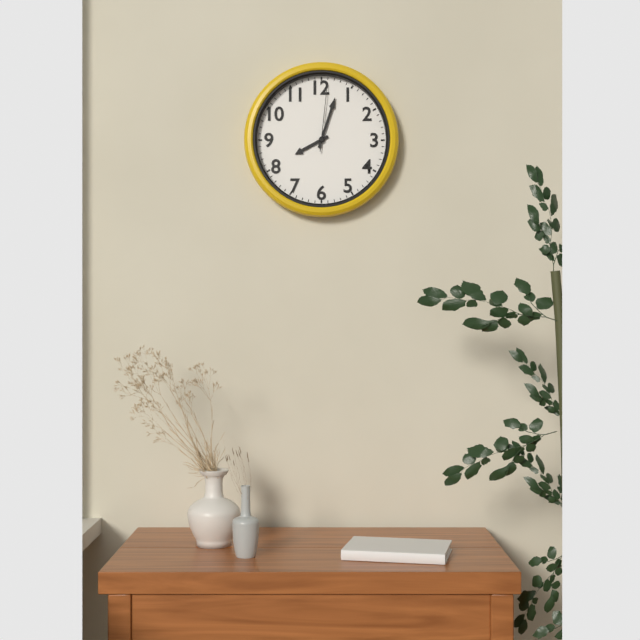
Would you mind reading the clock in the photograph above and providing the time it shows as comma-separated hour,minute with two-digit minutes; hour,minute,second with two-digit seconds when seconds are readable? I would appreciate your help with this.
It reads 8,03,01
